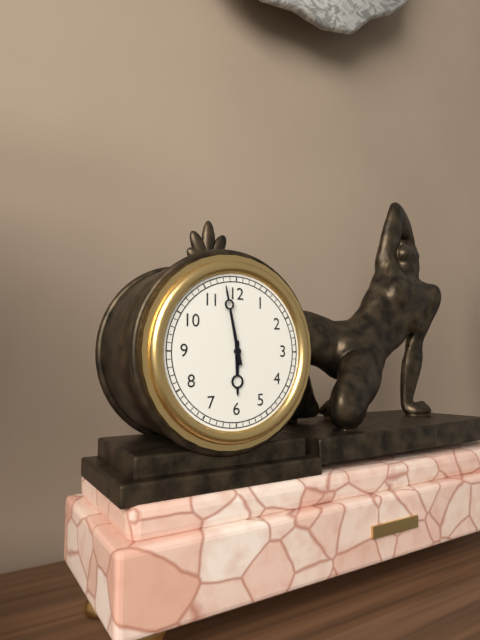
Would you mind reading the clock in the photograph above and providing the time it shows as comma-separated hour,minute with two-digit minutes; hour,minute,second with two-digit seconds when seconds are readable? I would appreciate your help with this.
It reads 5,58
